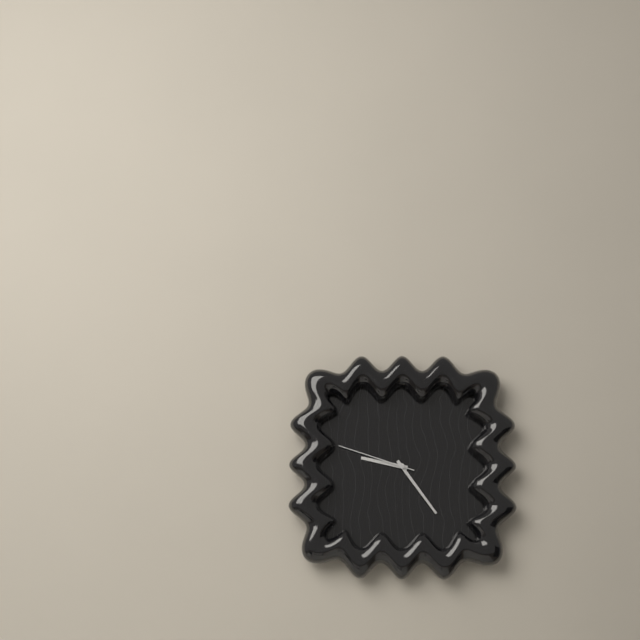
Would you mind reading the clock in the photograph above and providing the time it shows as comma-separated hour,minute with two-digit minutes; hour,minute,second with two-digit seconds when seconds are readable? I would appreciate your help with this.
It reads 9,24,48
